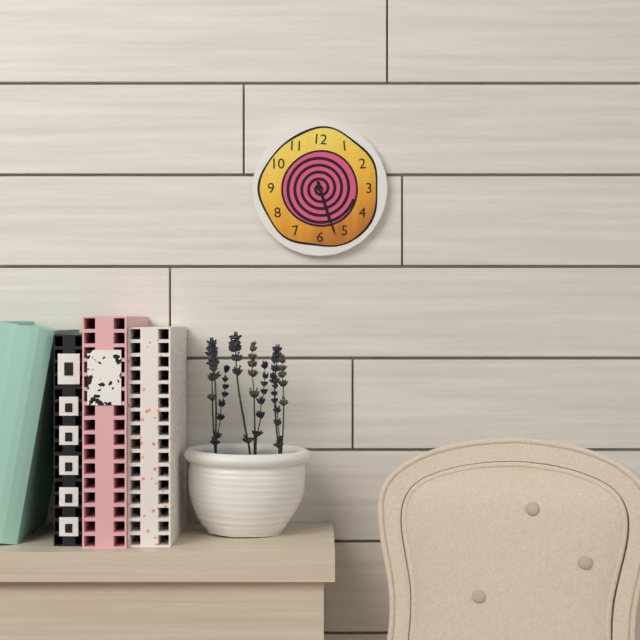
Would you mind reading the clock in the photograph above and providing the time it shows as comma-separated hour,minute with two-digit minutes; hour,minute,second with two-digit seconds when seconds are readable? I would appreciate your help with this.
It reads 5,27
